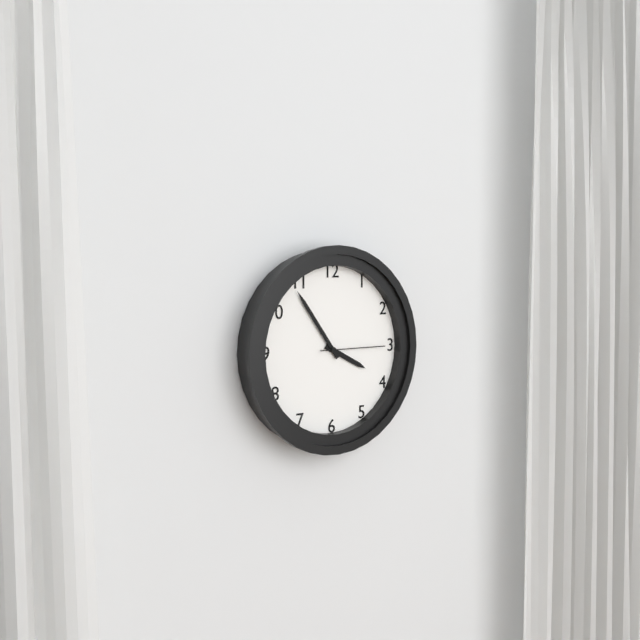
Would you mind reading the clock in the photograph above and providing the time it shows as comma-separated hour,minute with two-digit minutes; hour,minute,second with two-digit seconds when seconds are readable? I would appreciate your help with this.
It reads 3,54,15
